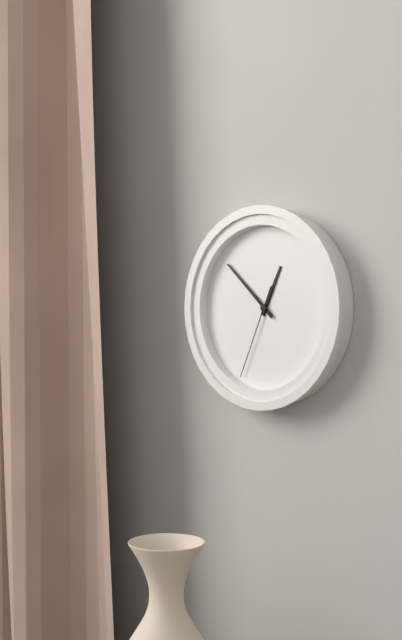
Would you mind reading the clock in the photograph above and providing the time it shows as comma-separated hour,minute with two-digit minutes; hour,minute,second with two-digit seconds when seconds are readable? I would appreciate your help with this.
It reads 12,52,34
